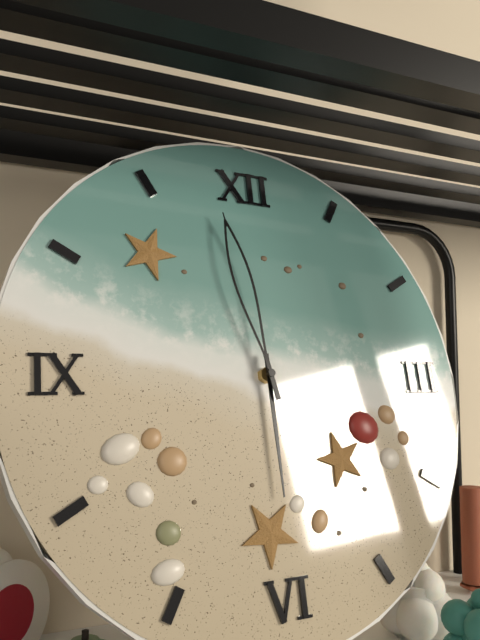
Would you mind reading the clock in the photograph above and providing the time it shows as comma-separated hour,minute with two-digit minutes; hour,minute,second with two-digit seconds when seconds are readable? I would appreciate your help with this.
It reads 5,58
